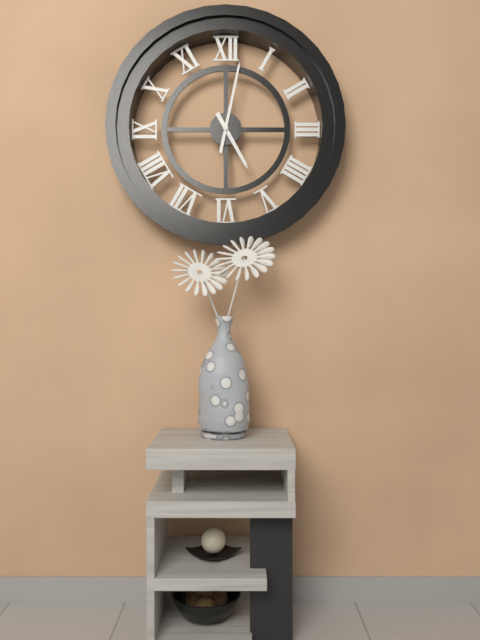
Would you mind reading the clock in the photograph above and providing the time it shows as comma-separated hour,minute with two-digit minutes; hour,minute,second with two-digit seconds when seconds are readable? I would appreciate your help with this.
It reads 5,02
